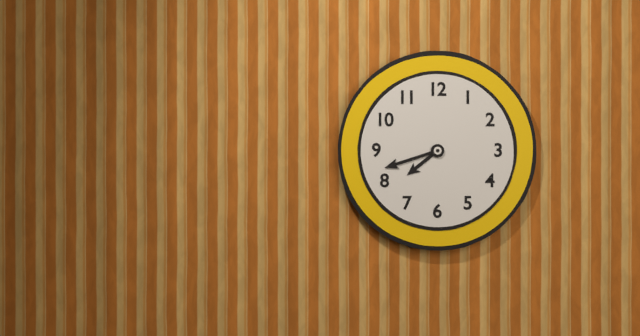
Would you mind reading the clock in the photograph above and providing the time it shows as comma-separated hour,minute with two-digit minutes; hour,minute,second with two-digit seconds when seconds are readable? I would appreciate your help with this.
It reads 7,42
